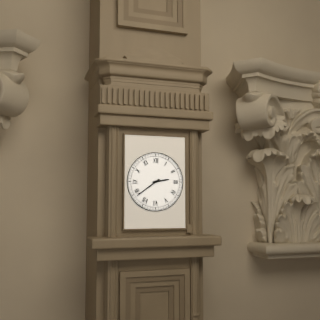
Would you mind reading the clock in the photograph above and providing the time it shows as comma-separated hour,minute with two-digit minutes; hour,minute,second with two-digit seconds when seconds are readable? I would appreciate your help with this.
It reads 2,39
